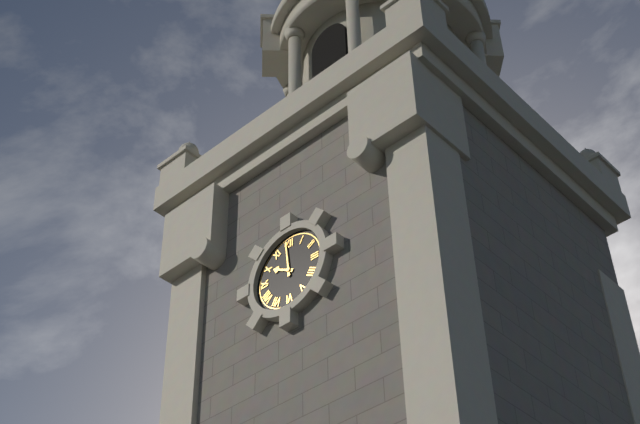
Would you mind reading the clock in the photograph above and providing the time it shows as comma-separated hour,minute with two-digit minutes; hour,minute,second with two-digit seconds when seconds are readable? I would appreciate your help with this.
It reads 9,59
